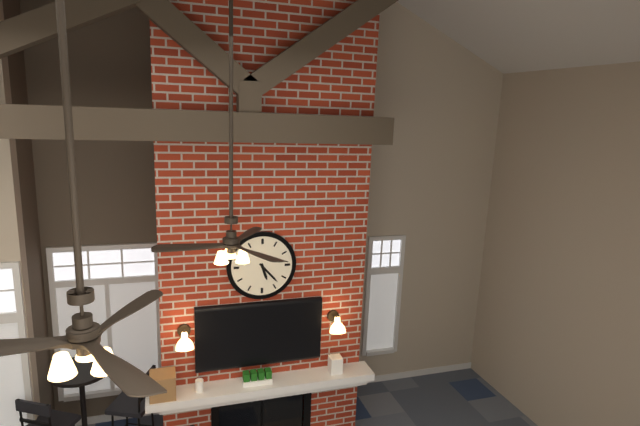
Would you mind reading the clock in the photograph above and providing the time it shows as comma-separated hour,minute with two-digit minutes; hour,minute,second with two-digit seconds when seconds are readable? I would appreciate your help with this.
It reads 5,23
